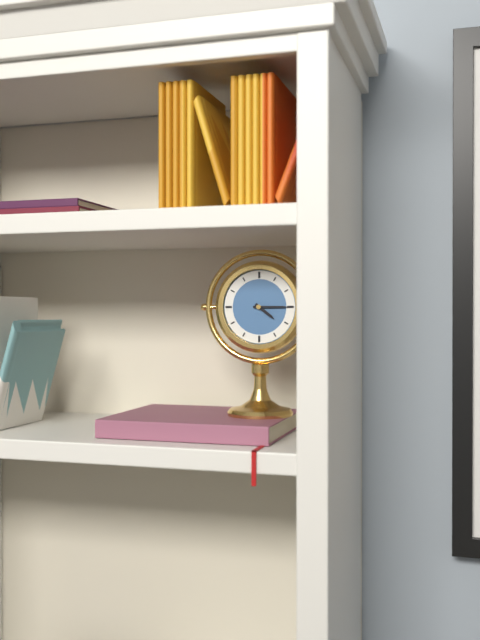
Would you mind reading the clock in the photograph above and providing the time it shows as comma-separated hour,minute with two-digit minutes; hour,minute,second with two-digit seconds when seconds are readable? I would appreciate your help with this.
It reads 4,15
